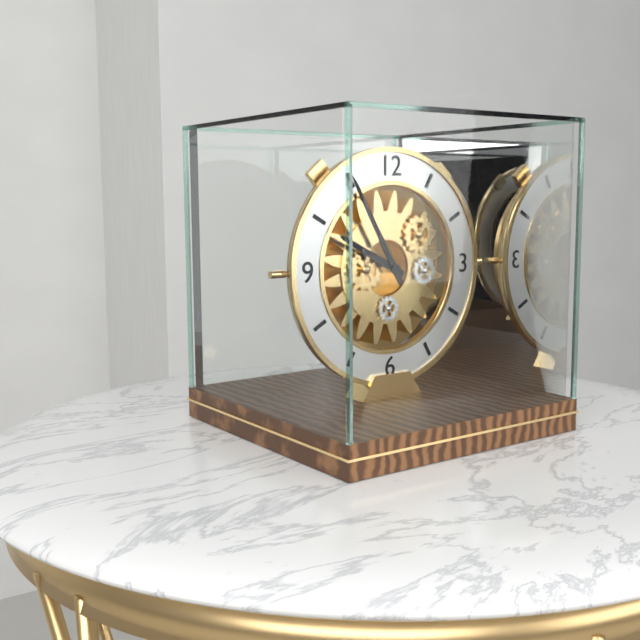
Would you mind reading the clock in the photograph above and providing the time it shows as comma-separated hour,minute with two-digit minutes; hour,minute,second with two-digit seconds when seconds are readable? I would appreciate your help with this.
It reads 9,55
